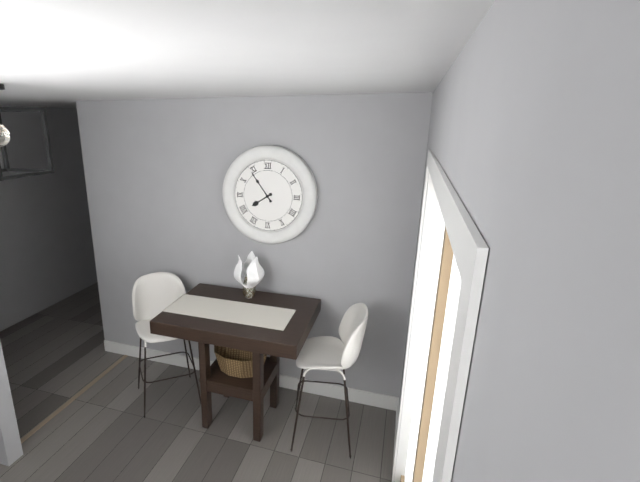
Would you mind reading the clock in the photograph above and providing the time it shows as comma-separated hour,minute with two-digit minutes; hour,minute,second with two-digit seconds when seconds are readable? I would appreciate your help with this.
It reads 7,54
